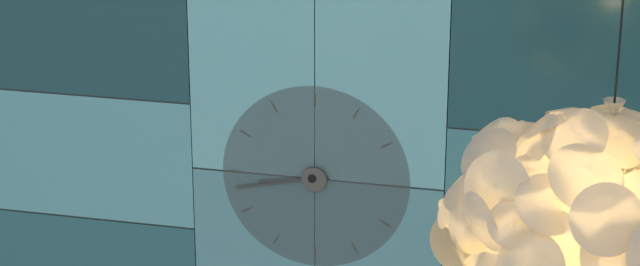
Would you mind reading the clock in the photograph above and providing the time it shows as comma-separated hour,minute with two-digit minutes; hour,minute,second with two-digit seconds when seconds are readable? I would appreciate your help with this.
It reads 8,43
